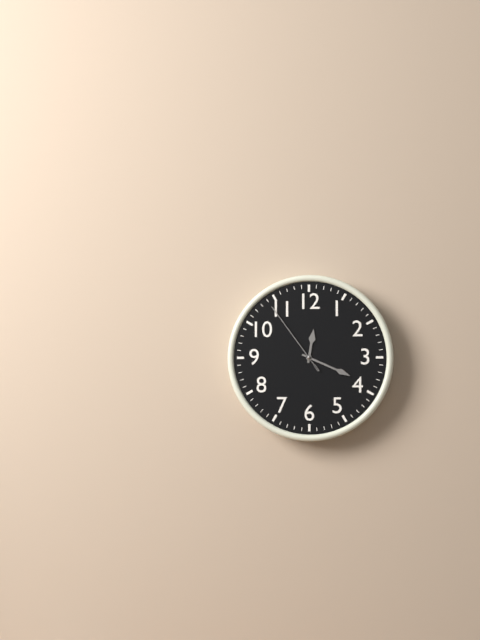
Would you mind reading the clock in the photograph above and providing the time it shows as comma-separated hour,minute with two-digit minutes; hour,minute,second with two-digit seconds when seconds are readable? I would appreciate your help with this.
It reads 12,19,54
